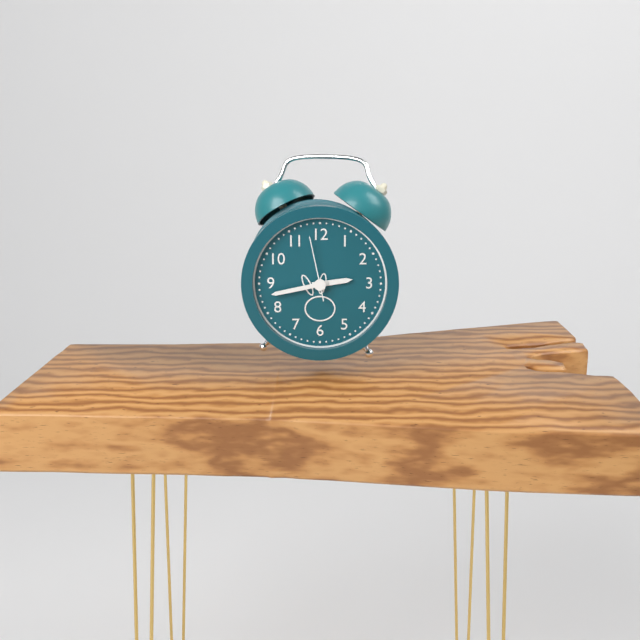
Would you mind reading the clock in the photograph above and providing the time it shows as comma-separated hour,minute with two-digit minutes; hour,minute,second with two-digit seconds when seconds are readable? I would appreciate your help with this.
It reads 2,43,58
